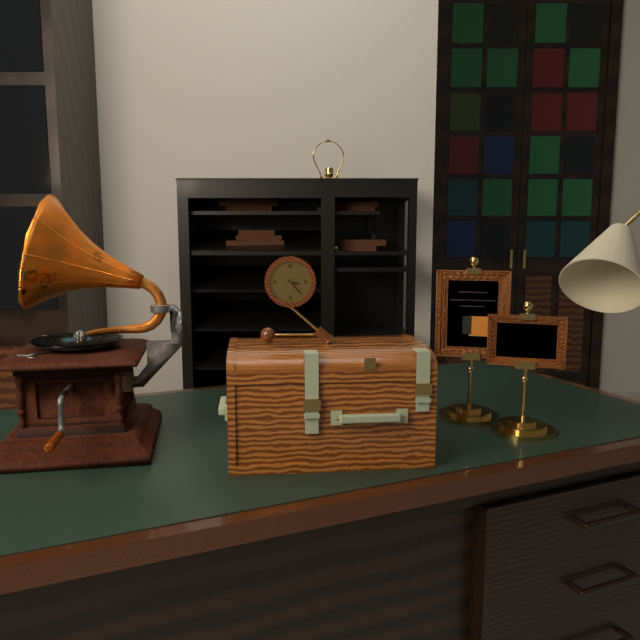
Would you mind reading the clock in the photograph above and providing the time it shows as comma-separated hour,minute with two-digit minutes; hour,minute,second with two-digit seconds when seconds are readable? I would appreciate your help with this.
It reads 3,23
